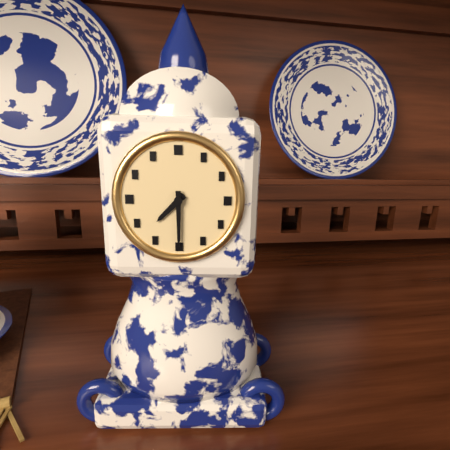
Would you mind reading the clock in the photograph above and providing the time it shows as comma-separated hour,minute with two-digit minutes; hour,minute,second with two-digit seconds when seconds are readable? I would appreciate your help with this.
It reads 7,30
